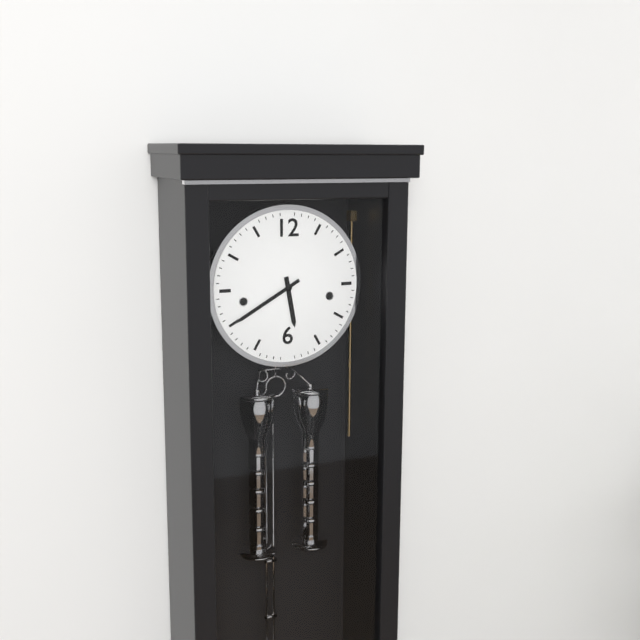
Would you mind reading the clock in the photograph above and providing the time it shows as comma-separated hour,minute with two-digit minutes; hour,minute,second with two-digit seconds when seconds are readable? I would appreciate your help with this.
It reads 5,40
